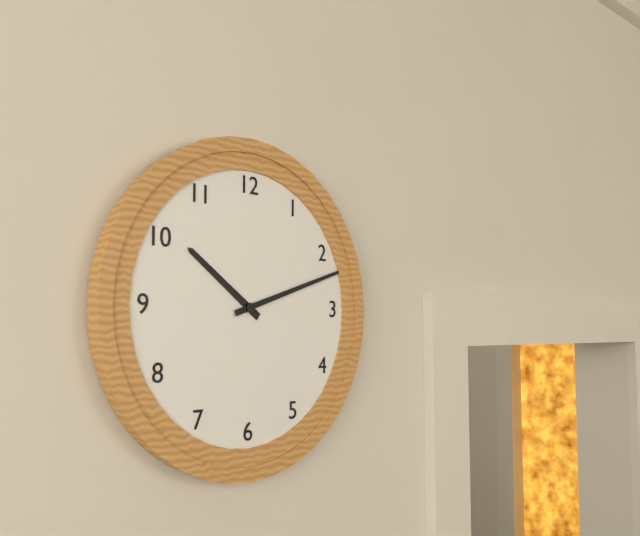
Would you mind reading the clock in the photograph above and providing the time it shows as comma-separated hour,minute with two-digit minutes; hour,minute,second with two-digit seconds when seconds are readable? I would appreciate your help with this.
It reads 10,12
